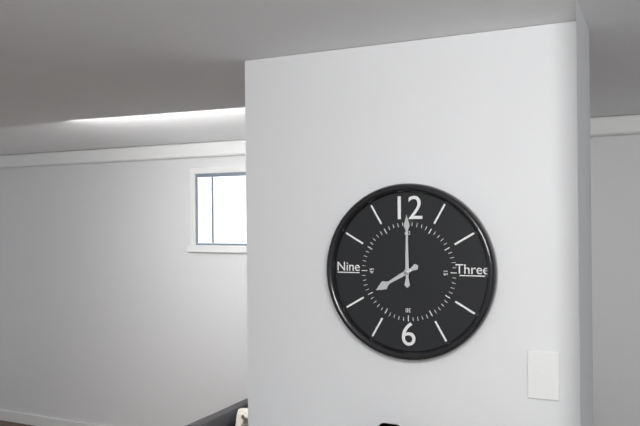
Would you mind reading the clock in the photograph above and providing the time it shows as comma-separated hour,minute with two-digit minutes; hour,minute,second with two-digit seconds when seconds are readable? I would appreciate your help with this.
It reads 8,00
